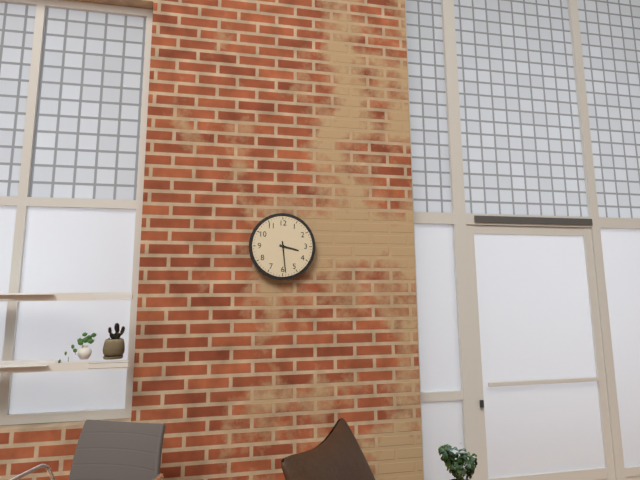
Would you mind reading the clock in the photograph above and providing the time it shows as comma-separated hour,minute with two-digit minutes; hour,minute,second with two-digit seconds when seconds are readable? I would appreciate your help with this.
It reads 3,29
